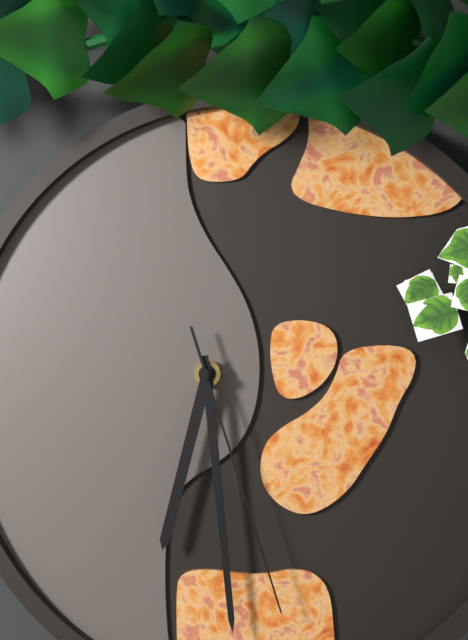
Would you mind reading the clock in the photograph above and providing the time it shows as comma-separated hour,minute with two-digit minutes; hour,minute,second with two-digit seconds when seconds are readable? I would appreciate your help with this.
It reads 6,29,27
